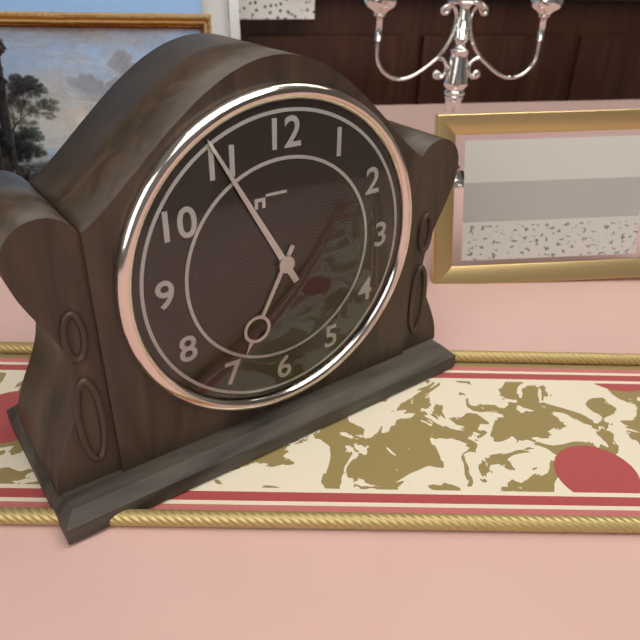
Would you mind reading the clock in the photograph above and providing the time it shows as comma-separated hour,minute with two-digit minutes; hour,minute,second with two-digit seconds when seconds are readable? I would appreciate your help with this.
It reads 6,55
